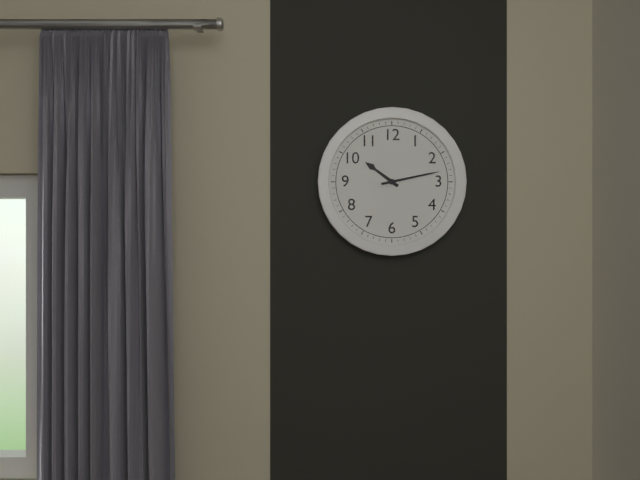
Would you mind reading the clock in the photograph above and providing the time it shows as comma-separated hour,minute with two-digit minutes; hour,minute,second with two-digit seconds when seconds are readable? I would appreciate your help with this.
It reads 10,13
